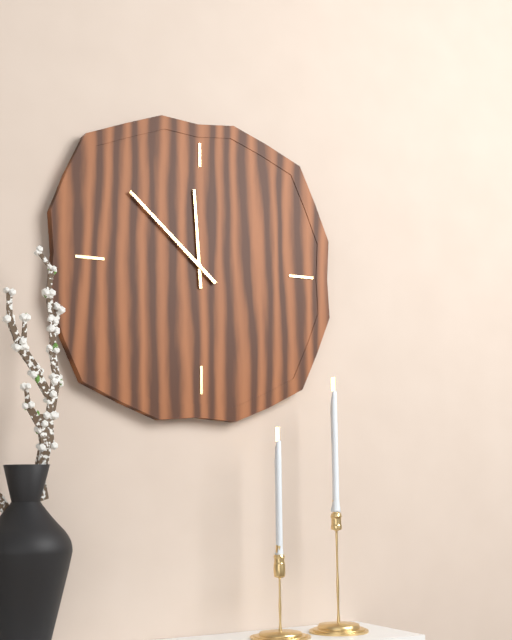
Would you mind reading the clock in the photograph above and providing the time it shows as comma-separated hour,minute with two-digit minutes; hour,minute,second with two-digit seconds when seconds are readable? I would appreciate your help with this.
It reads 11,52
